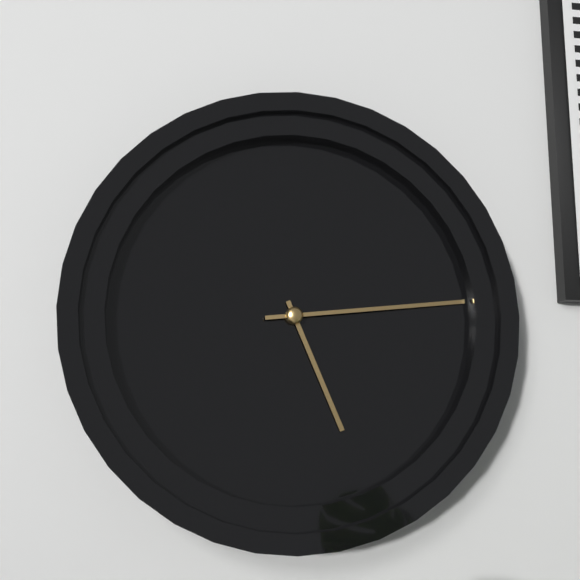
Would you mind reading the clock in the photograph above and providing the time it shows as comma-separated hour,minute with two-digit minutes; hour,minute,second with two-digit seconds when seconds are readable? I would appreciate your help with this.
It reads 5,14
